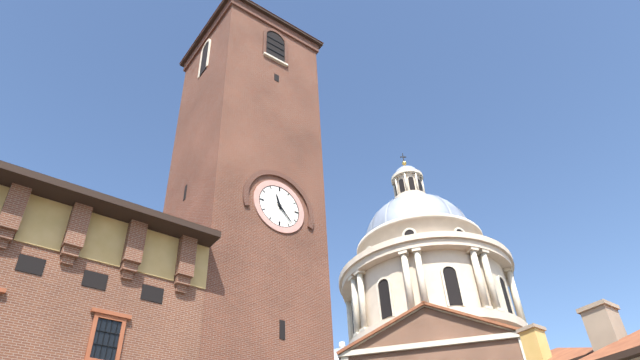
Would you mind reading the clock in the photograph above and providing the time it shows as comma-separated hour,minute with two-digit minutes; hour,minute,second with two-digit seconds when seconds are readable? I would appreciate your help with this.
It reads 11,23
